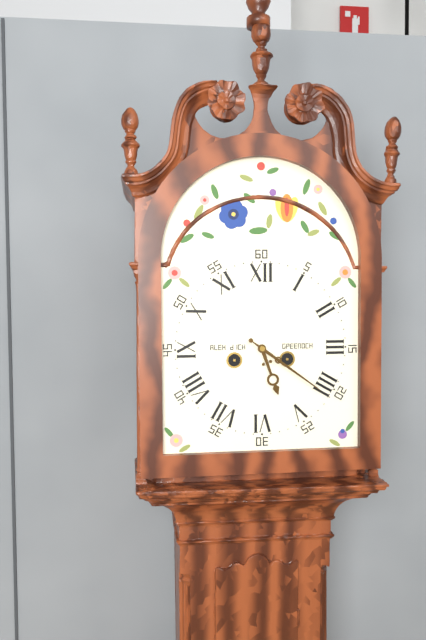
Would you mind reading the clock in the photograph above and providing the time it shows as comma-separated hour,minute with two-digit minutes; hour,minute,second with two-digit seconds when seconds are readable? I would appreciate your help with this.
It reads 5,21
